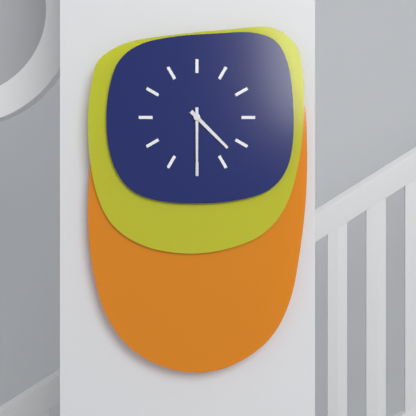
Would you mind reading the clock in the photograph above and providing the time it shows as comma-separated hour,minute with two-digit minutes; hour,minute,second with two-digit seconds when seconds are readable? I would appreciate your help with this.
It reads 4,30
